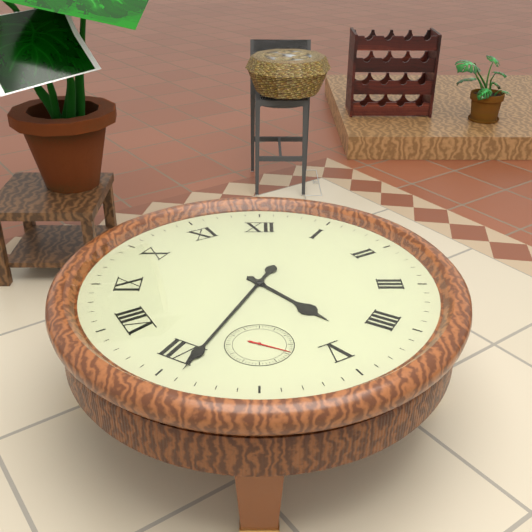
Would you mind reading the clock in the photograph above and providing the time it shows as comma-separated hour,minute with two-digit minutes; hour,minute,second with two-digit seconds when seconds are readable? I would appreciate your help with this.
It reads 4,34
